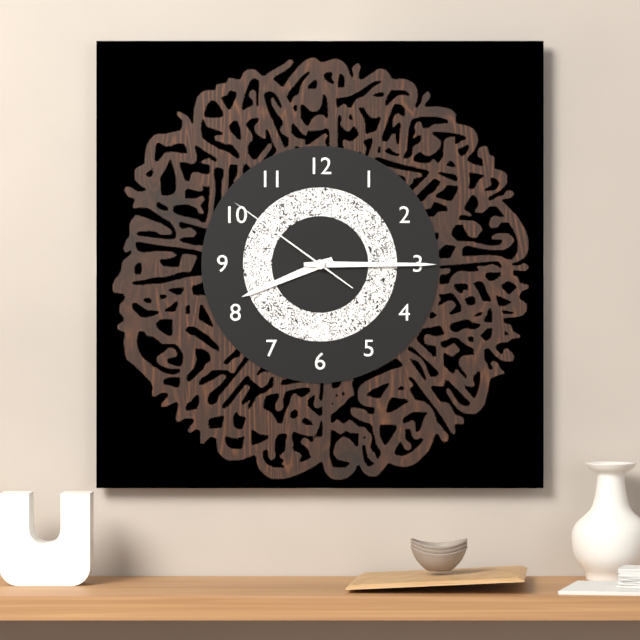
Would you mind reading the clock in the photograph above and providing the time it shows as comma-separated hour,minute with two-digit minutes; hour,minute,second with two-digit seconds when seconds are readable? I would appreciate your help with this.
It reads 8,15,51
